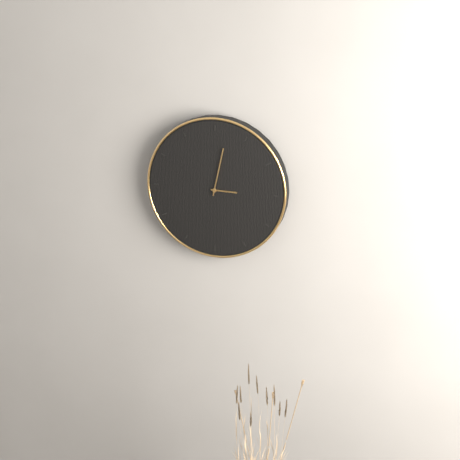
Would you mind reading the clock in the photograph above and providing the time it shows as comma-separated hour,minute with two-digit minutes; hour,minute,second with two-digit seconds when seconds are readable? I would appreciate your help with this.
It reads 3,02
